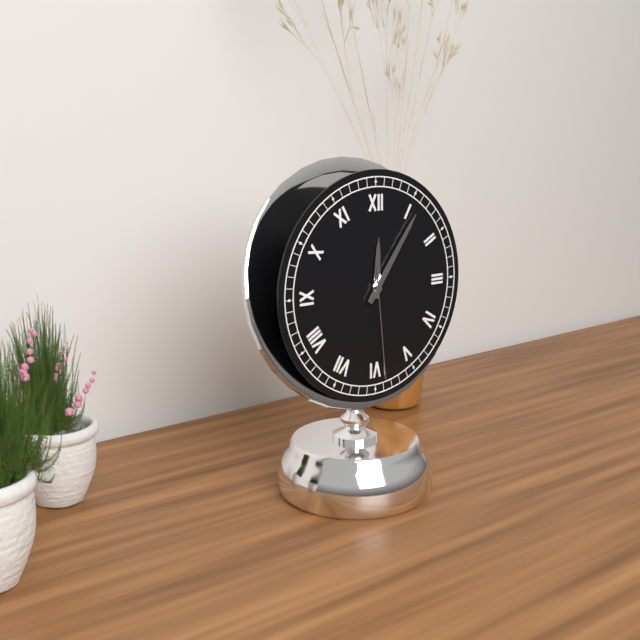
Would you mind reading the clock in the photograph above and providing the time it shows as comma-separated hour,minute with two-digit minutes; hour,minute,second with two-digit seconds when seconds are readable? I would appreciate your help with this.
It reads 12,06,29
